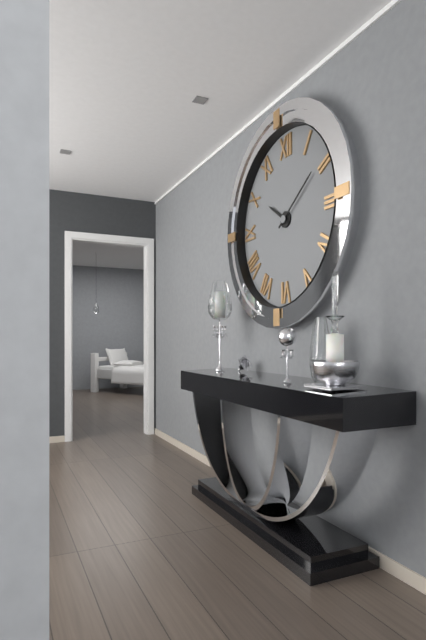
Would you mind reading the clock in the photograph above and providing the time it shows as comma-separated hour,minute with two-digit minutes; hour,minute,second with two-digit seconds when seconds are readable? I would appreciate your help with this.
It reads 10,09
